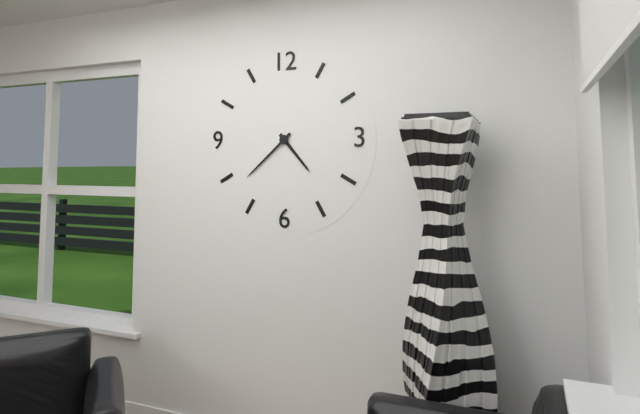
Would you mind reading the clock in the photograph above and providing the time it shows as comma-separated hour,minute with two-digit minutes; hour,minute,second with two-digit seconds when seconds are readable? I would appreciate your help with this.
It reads 4,38
